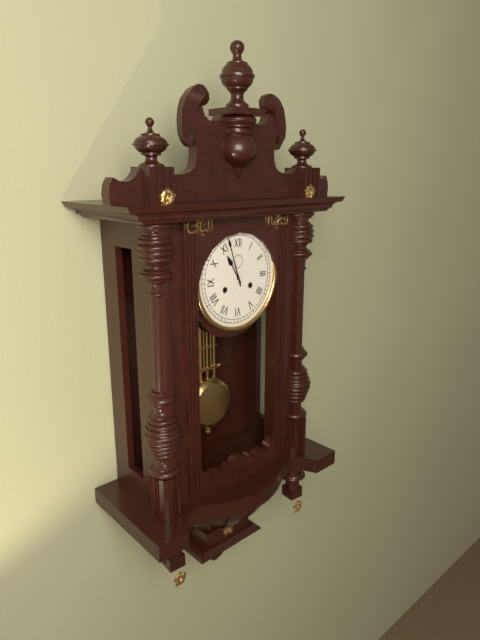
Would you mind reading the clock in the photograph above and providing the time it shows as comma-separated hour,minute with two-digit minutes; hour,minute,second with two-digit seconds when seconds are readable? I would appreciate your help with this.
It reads 10,57
